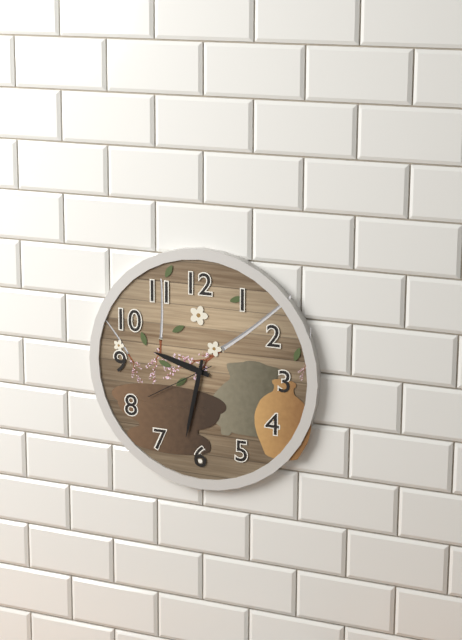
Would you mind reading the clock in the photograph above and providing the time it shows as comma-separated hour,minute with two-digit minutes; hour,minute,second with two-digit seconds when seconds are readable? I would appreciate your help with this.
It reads 9,32,40
